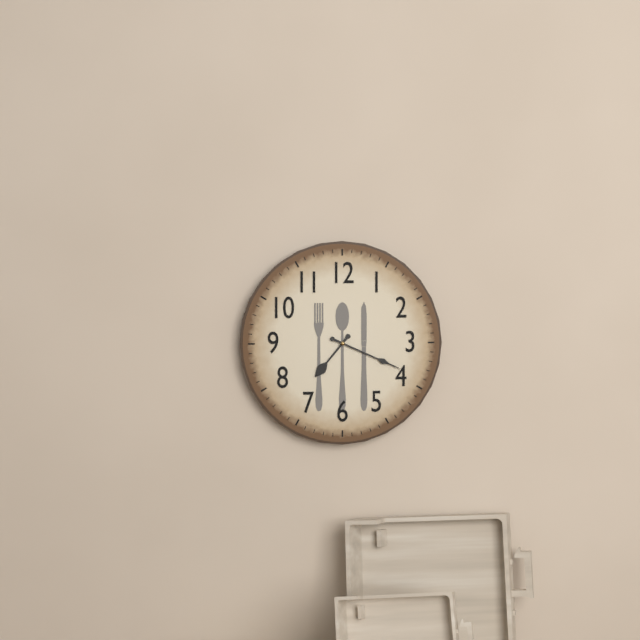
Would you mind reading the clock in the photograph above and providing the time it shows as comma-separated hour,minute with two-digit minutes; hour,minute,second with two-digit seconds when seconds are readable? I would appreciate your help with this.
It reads 7,19
